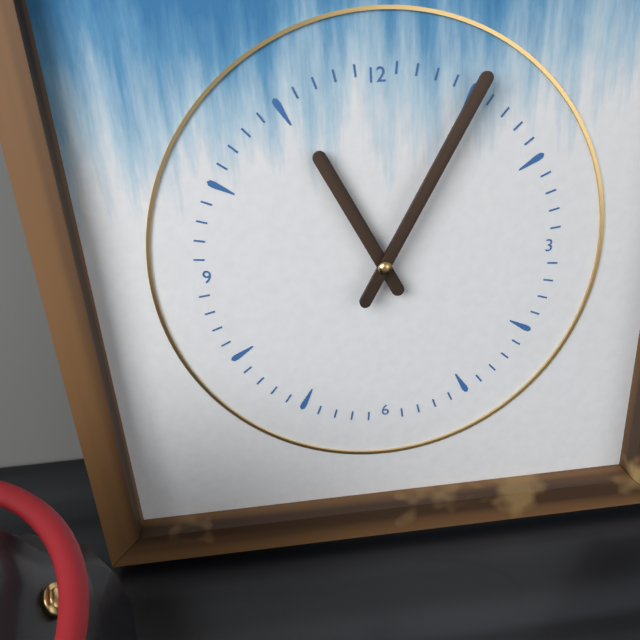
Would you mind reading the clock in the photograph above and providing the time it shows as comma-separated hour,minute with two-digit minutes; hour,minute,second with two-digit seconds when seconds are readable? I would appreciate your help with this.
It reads 11,05
